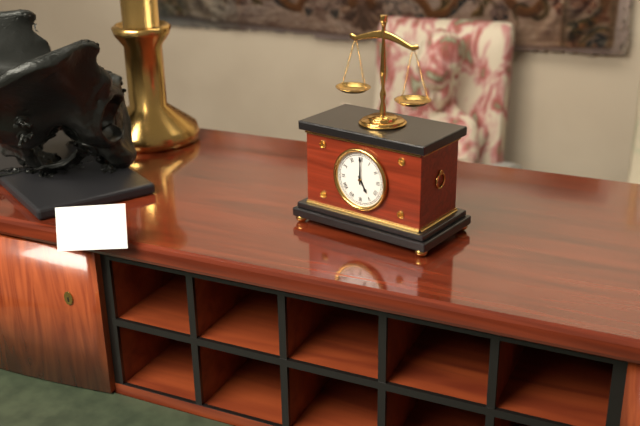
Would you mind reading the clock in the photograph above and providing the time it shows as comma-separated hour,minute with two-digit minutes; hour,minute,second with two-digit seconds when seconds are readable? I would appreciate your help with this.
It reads 5,00
